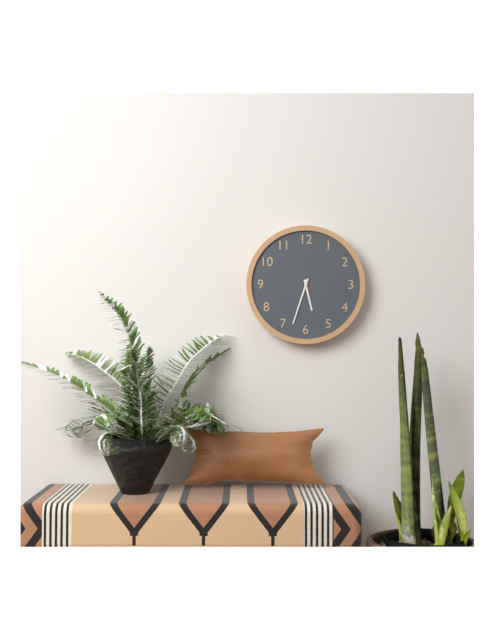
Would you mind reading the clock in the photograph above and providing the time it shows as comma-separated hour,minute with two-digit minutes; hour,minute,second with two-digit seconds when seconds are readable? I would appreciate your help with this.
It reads 5,33
